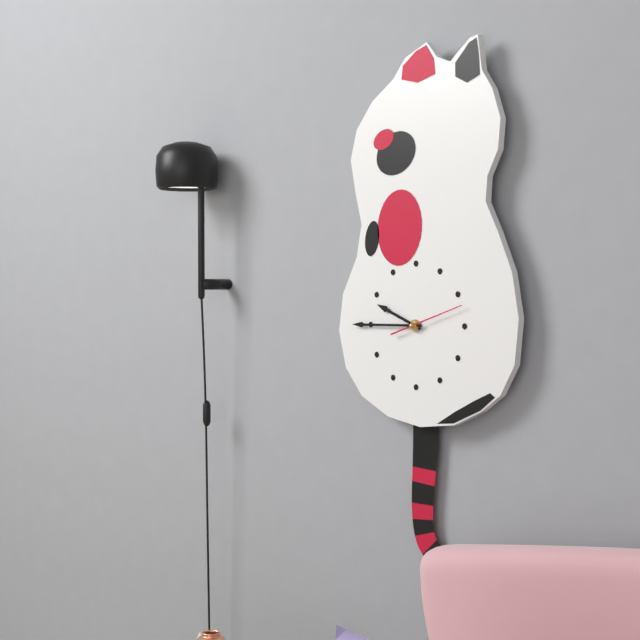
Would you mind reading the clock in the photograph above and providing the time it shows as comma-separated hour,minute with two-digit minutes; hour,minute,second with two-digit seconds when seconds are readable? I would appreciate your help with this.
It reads 9,45,12
